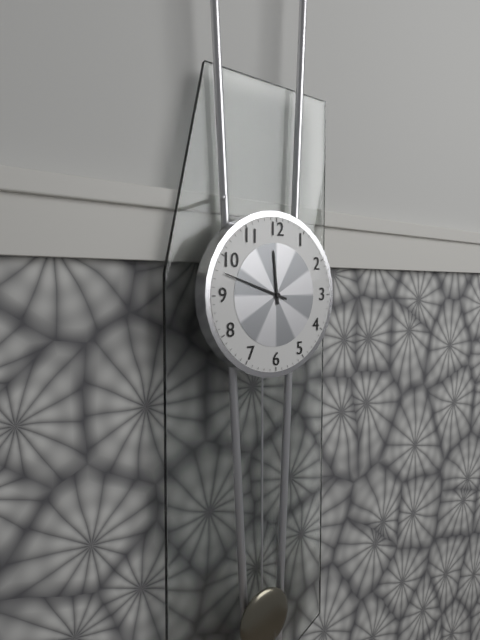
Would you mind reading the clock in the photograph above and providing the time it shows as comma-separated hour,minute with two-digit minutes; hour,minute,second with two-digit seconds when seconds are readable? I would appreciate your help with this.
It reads 11,48
